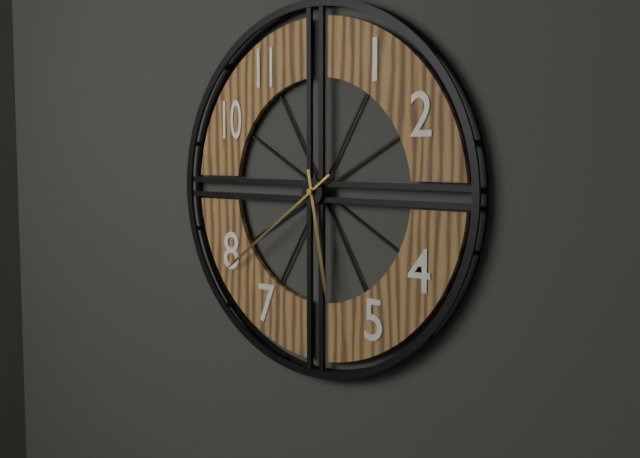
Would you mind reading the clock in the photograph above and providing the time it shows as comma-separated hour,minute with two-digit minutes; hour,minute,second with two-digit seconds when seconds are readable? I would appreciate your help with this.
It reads 5,39
